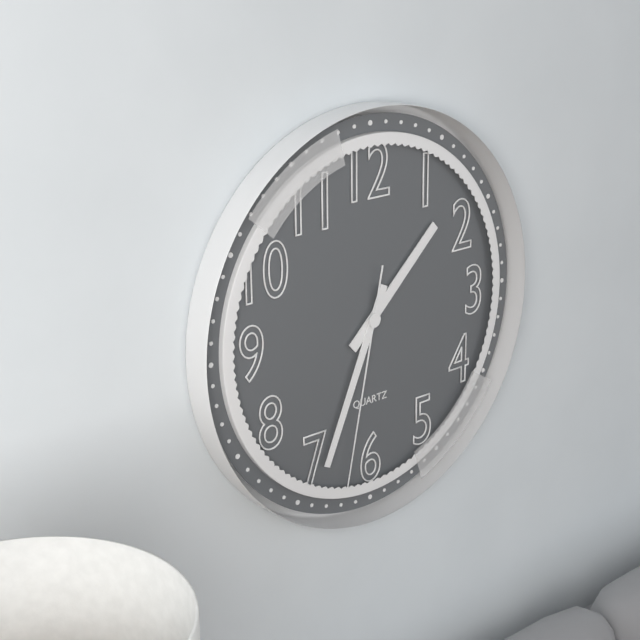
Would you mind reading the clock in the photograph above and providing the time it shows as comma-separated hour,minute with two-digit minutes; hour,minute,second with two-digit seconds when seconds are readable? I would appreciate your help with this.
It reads 1,34,32
